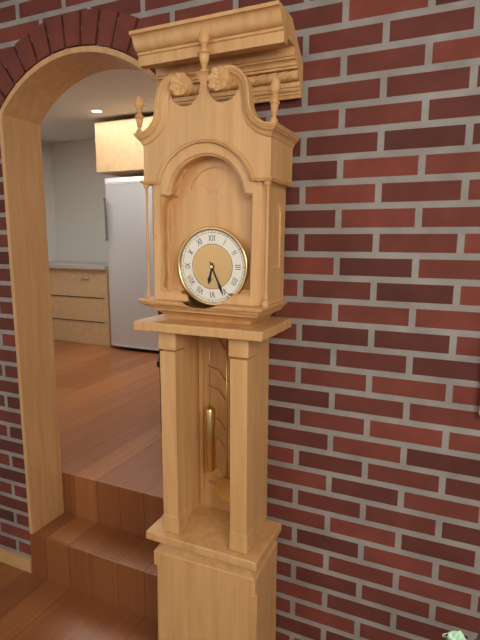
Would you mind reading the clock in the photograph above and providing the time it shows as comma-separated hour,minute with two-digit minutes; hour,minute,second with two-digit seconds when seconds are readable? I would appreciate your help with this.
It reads 6,26
